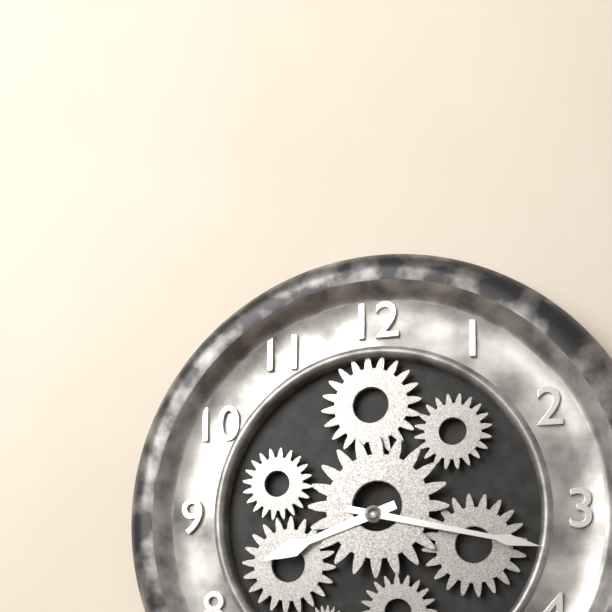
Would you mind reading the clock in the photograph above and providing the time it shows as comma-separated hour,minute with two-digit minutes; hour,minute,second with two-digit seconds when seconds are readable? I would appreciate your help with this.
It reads 8,17
